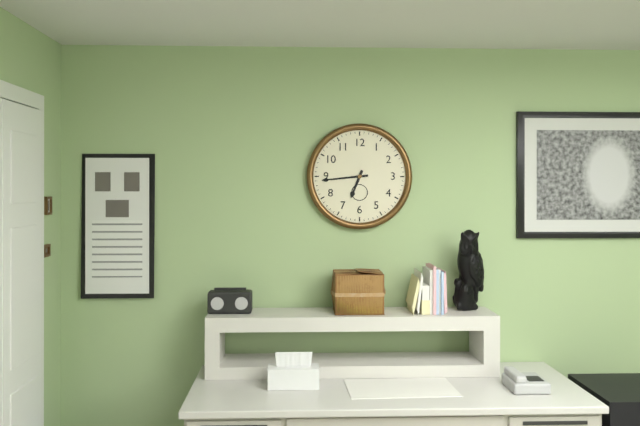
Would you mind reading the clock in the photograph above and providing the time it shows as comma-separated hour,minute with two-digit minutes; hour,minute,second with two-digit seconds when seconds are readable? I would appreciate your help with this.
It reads 6,44
